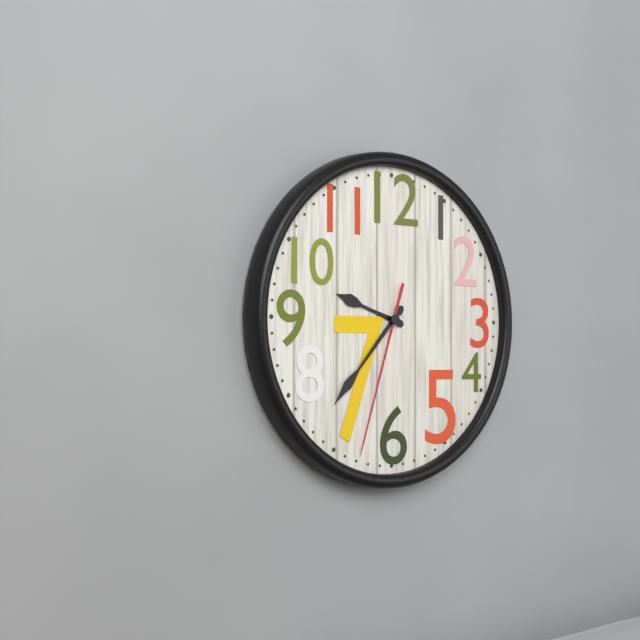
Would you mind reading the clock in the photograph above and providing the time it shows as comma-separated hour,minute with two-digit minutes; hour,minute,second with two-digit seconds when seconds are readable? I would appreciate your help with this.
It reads 9,37,33
